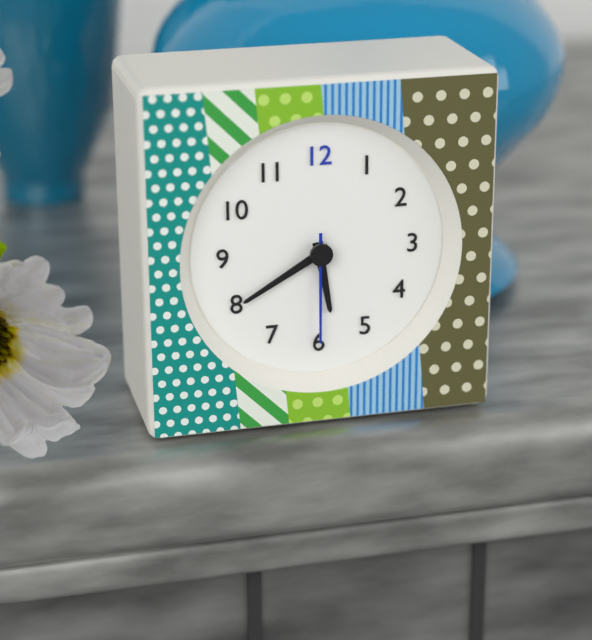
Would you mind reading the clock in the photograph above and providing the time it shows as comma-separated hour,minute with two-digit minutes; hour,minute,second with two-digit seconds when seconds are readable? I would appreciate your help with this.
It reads 5,40,30
